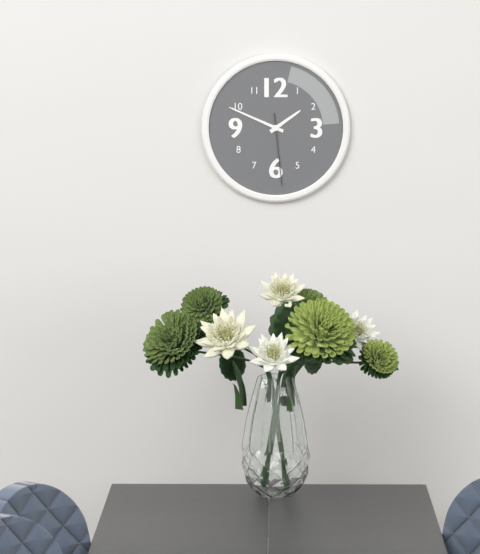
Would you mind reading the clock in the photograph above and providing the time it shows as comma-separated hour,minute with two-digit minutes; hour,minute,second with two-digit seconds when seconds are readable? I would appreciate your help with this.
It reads 1,49,29
